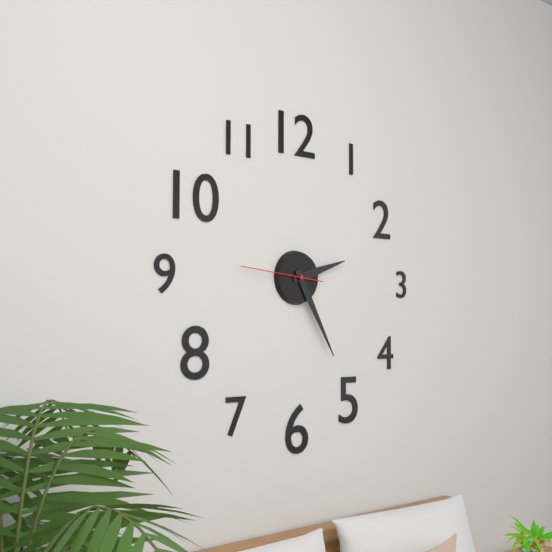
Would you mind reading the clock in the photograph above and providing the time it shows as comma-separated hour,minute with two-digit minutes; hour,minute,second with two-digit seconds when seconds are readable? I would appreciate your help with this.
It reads 2,25,46
